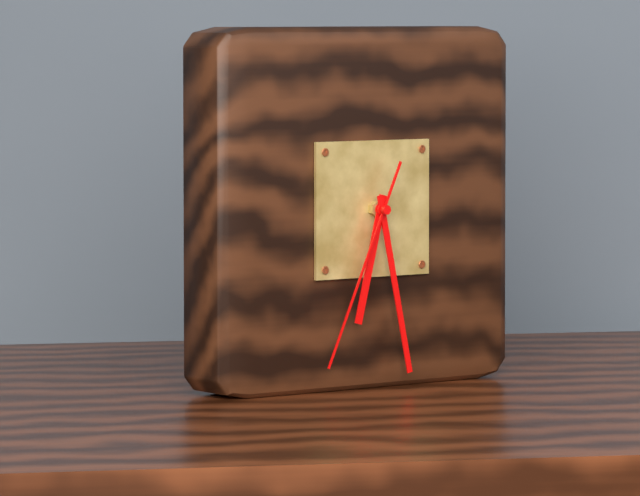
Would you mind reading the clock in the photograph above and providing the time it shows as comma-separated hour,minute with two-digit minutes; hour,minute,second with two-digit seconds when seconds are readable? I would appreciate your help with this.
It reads 6,28,34
